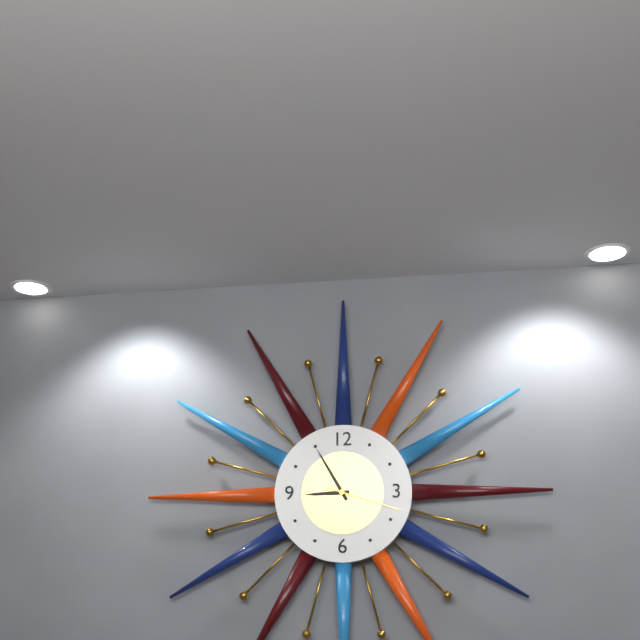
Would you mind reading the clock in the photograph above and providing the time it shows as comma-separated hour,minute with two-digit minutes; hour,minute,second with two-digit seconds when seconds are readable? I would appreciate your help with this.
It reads 8,55,18
